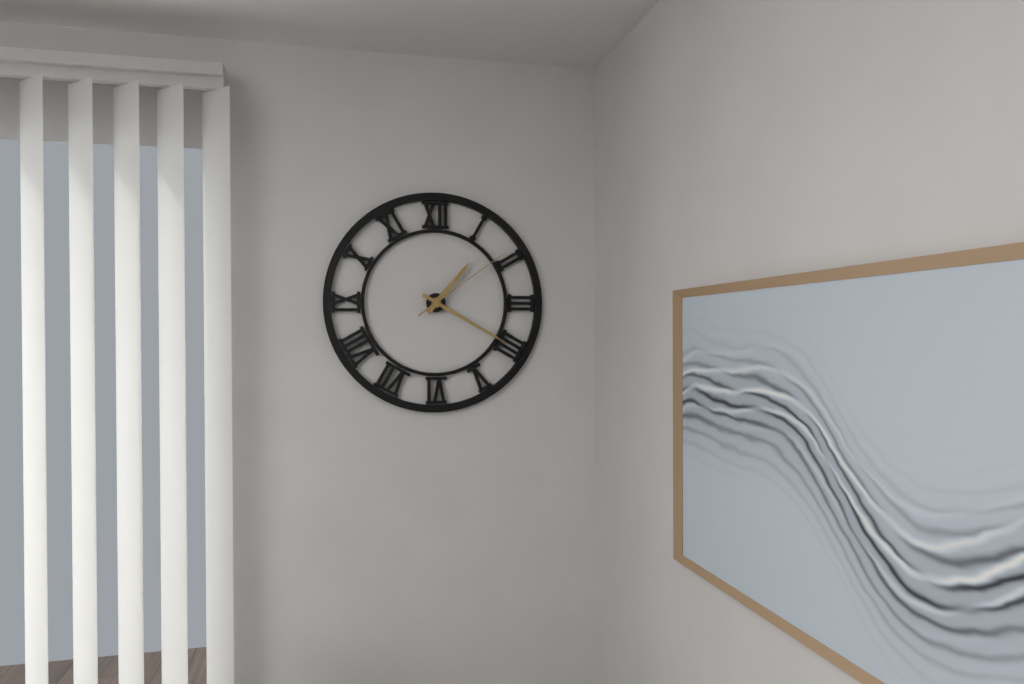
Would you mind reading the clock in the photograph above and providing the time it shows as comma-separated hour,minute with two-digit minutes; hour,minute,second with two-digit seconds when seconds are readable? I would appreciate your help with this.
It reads 1,20,09
